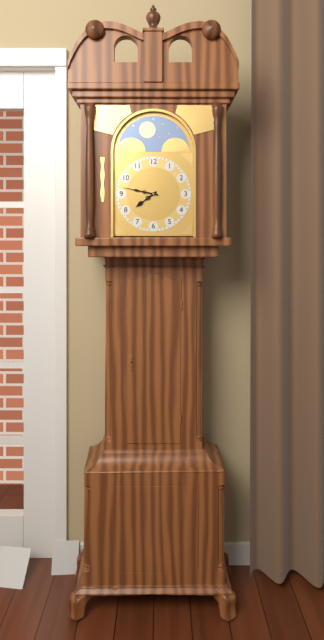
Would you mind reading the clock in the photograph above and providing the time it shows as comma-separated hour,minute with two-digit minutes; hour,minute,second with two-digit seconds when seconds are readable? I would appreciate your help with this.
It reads 7,47
